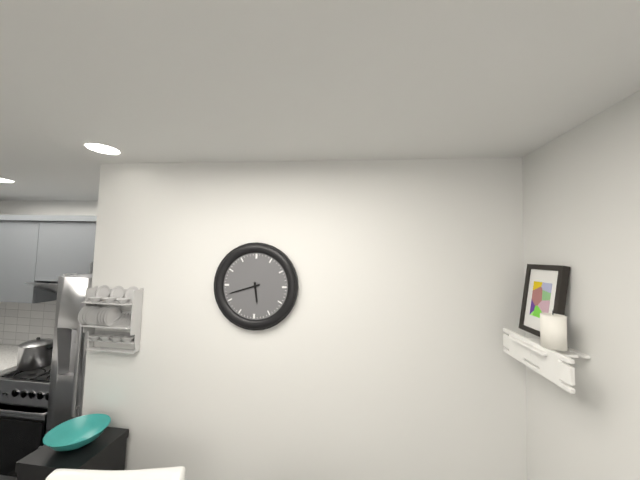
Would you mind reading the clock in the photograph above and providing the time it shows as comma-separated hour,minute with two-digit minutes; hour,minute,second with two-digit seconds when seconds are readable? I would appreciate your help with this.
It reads 5,42
